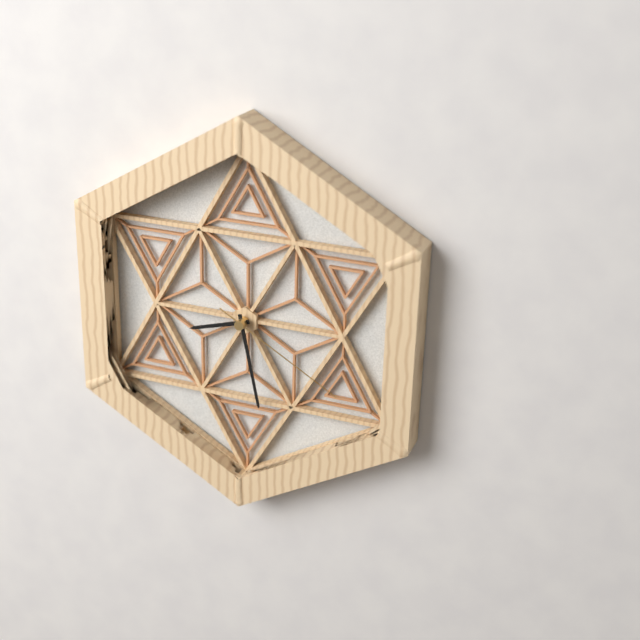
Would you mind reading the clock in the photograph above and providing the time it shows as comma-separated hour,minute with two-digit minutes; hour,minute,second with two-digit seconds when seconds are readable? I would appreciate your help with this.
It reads 8,28,20
